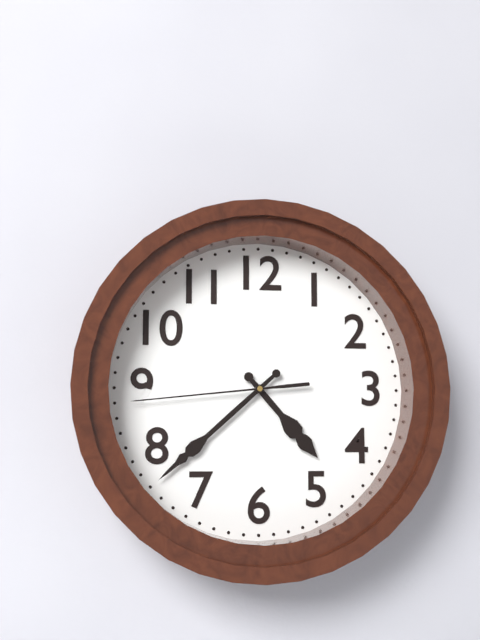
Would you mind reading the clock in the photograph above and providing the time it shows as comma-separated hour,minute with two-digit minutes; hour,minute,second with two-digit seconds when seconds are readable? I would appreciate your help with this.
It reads 4,38,44
